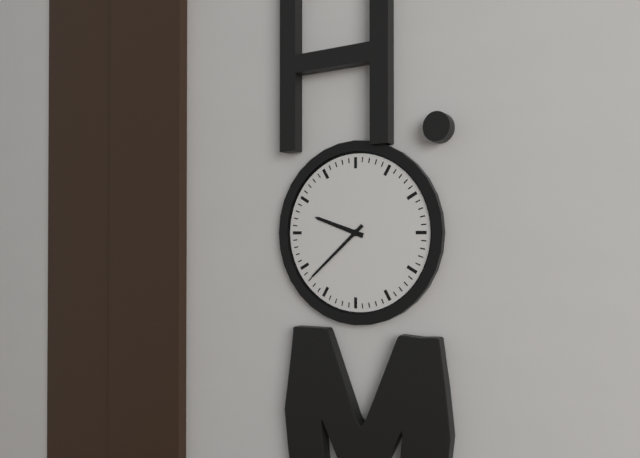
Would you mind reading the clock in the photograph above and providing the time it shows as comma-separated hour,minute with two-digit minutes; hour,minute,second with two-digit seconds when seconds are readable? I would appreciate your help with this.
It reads 9,38
